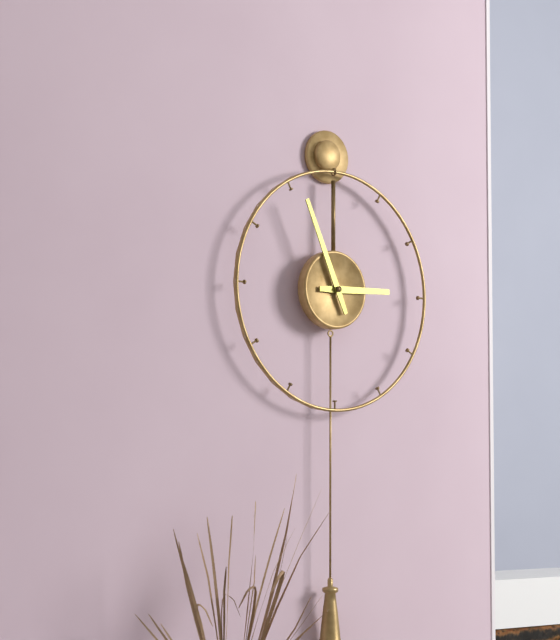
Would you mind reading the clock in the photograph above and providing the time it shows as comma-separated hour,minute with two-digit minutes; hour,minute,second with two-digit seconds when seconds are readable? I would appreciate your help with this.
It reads 2,56
